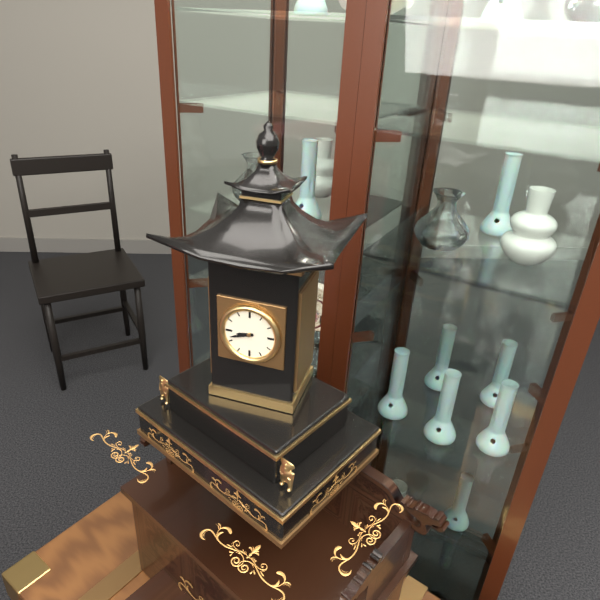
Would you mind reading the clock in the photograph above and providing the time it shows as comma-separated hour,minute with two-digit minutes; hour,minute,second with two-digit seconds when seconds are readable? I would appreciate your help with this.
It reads 8,42
